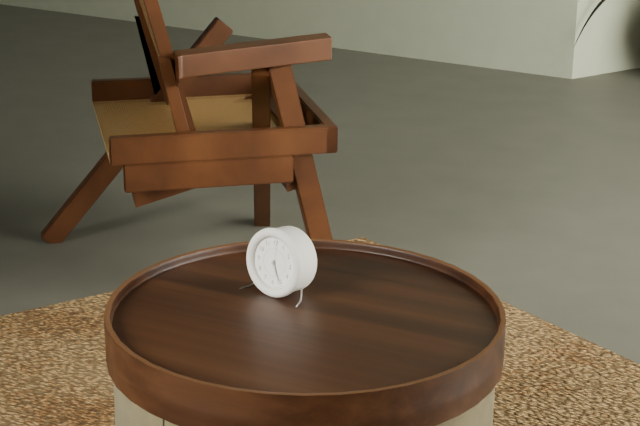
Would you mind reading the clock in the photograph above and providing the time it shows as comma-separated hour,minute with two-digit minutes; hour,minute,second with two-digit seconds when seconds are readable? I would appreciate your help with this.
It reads 5,26
